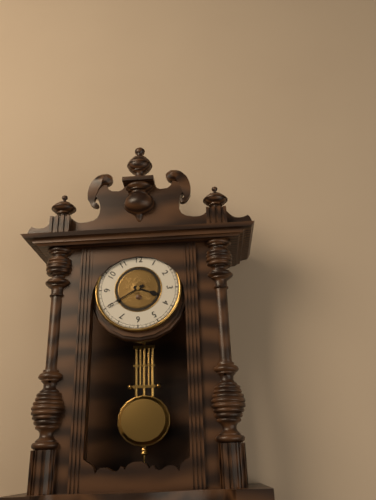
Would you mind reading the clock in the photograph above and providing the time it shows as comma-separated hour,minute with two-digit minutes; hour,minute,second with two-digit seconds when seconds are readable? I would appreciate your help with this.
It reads 3,40
